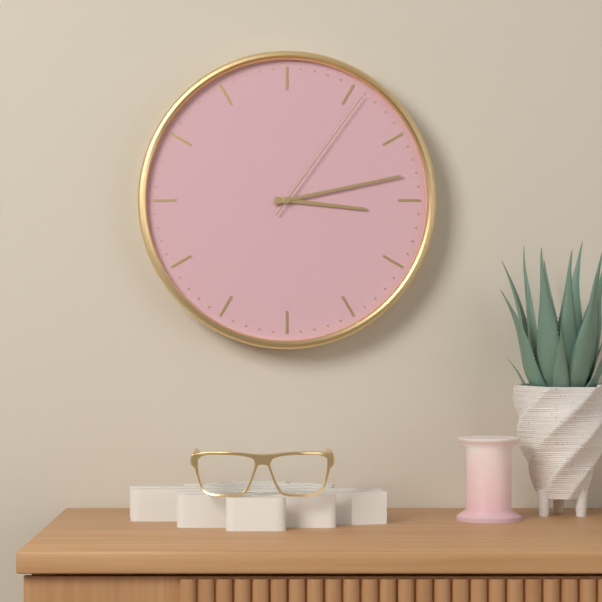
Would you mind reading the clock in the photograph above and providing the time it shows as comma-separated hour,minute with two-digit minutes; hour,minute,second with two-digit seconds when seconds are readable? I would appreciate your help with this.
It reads 3,13,06
